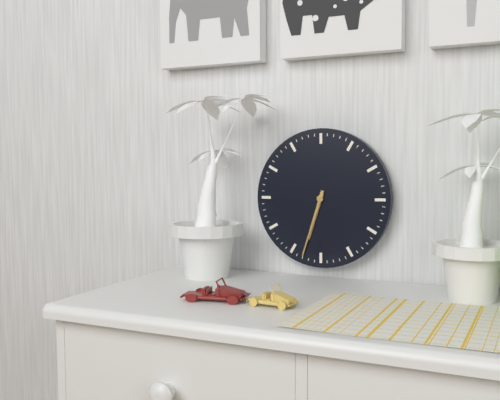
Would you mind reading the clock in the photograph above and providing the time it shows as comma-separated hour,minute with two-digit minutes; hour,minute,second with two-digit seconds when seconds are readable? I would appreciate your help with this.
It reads 6,33
